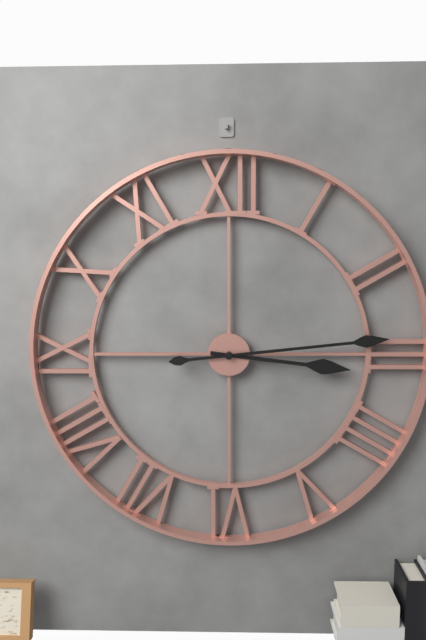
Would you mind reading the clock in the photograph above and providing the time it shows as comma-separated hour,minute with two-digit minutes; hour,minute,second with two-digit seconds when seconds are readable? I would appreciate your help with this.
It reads 3,14
